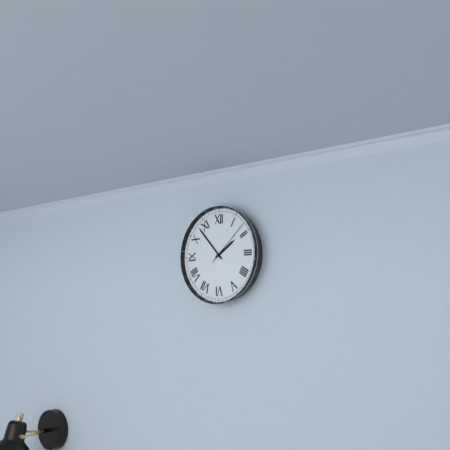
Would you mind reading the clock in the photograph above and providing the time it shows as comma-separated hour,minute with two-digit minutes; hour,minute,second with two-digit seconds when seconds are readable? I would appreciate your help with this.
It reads 1,53,08
